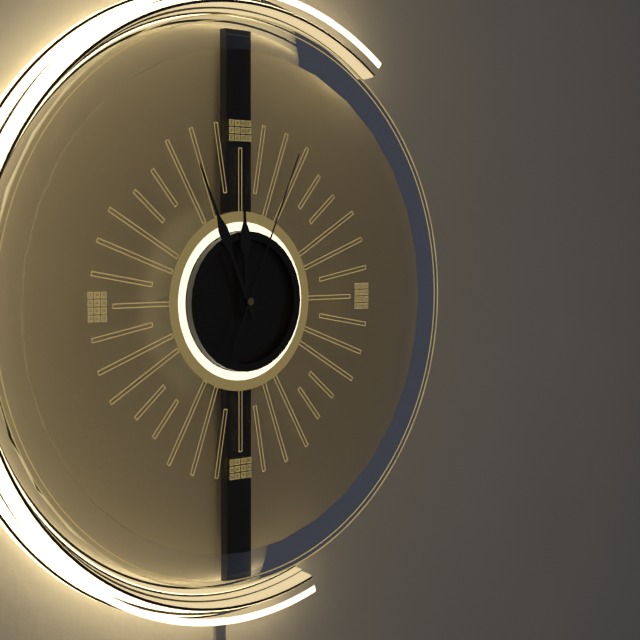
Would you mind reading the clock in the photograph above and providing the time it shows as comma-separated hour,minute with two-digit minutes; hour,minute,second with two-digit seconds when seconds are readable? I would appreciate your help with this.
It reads 11,56,04
